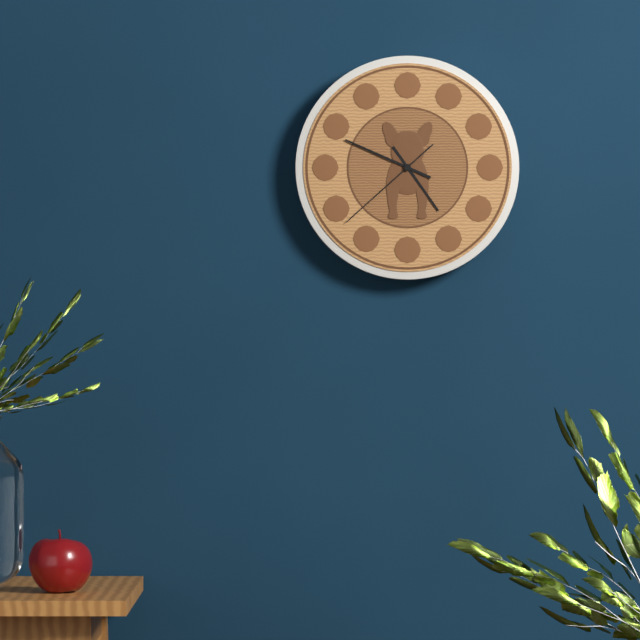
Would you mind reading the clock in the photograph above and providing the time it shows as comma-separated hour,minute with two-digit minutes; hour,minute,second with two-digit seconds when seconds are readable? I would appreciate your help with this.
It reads 4,49,38
